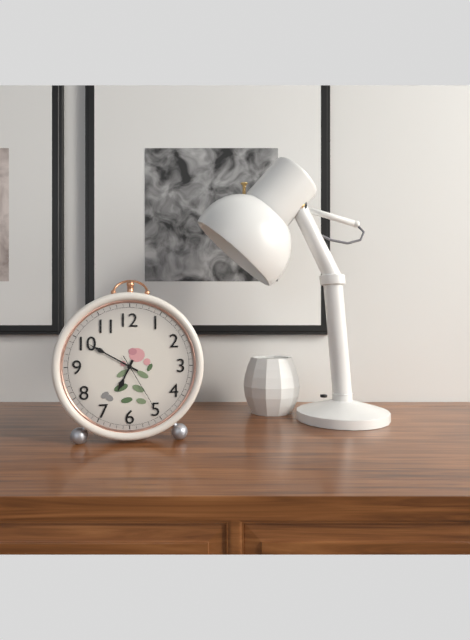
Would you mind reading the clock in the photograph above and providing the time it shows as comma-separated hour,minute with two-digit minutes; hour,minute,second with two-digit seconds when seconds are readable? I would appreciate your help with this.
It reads 6,50,25
